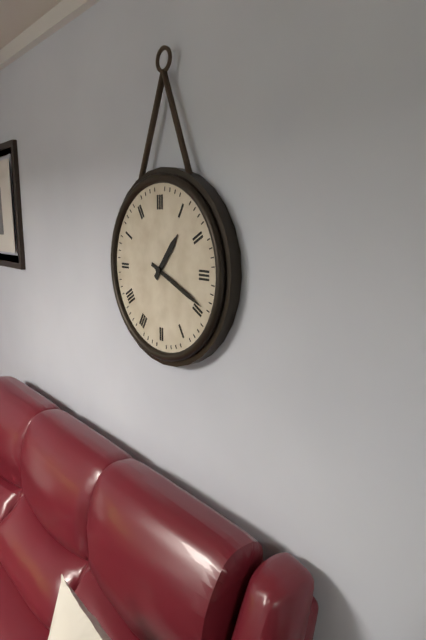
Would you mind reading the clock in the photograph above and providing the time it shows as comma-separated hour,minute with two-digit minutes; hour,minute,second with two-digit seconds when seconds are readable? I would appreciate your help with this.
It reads 1,19
